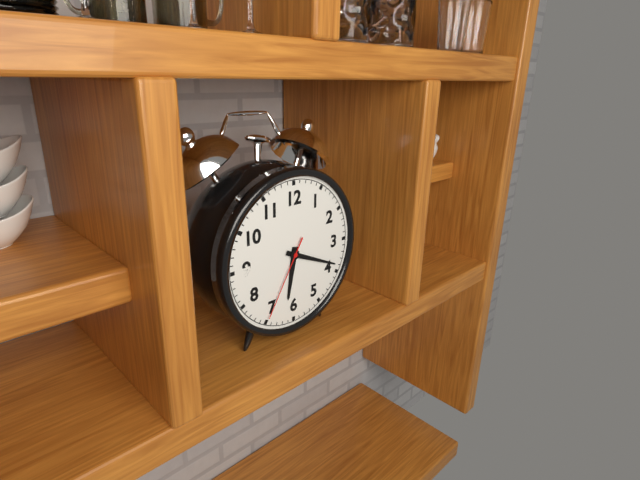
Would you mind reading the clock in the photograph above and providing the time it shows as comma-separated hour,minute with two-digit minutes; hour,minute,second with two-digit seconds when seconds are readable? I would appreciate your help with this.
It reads 6,19,35
